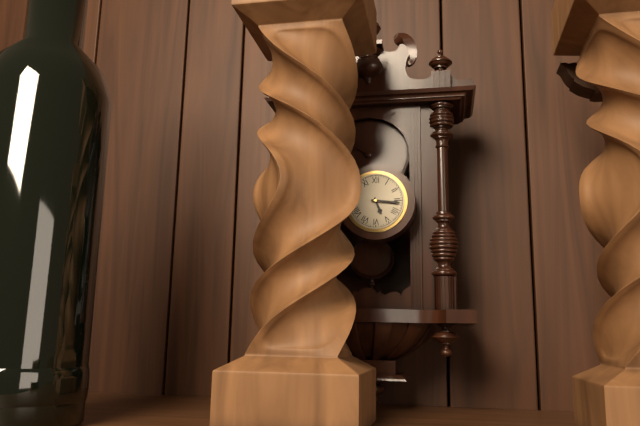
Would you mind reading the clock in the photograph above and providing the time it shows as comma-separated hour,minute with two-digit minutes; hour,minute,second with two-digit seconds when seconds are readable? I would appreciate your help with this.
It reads 5,16
